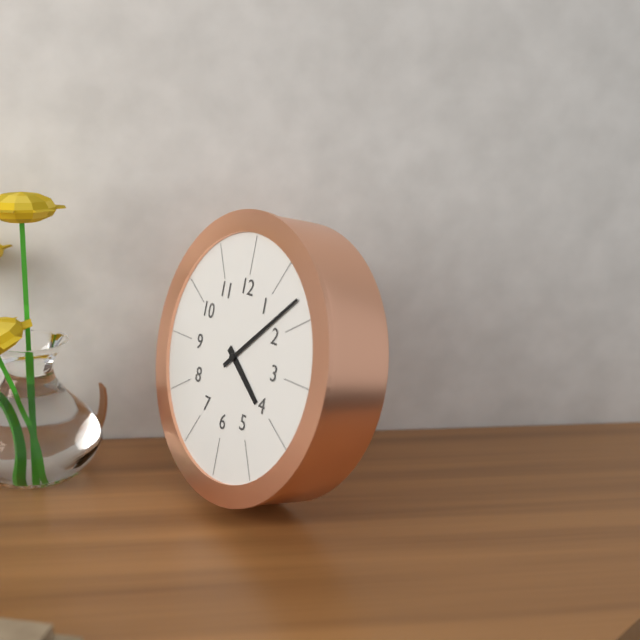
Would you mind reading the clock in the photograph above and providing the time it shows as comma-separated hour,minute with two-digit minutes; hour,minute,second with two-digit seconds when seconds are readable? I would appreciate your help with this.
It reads 4,08
